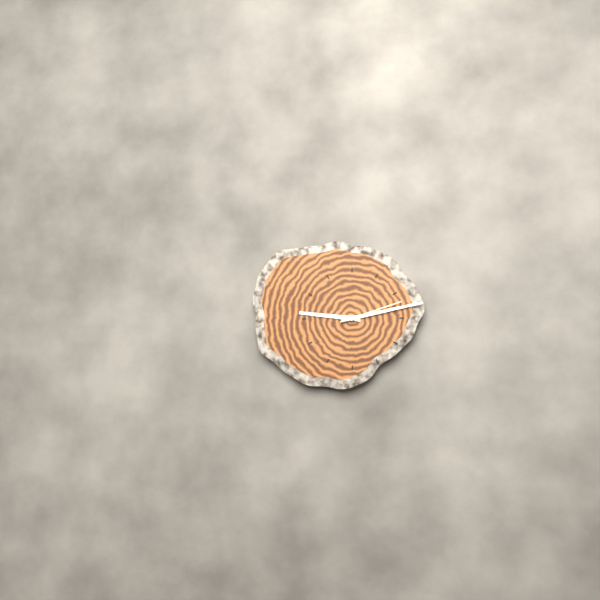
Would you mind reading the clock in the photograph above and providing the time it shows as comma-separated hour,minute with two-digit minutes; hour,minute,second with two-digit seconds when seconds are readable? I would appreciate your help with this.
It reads 9,13,12
